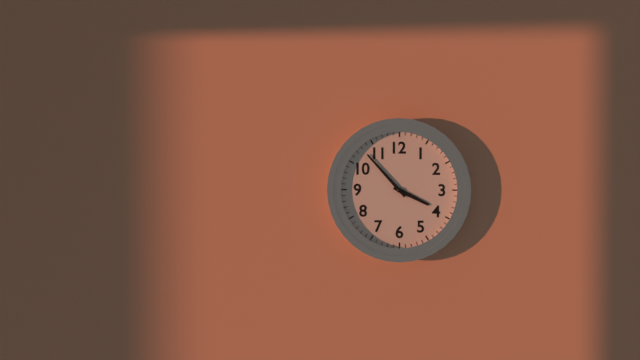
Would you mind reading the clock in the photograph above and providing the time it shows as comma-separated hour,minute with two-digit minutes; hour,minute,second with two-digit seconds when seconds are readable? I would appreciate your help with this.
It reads 3,53
